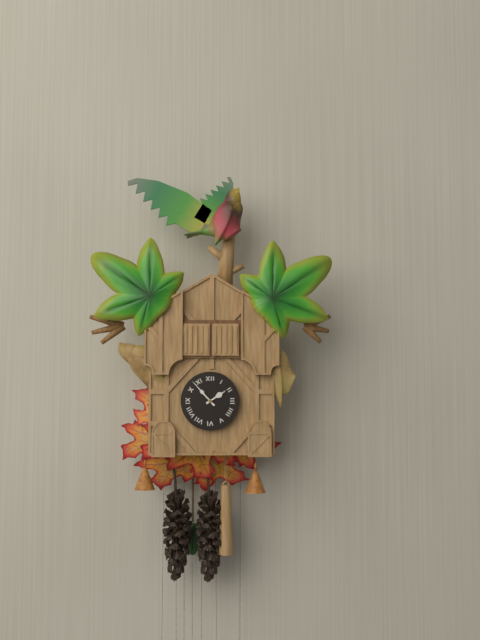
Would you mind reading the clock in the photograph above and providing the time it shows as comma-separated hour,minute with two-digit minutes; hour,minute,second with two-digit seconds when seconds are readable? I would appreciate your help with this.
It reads 1,53
